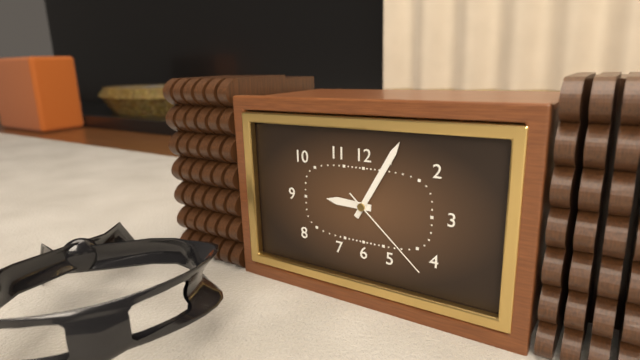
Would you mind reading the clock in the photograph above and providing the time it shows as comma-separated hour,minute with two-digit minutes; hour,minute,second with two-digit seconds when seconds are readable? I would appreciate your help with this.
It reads 9,05,22
